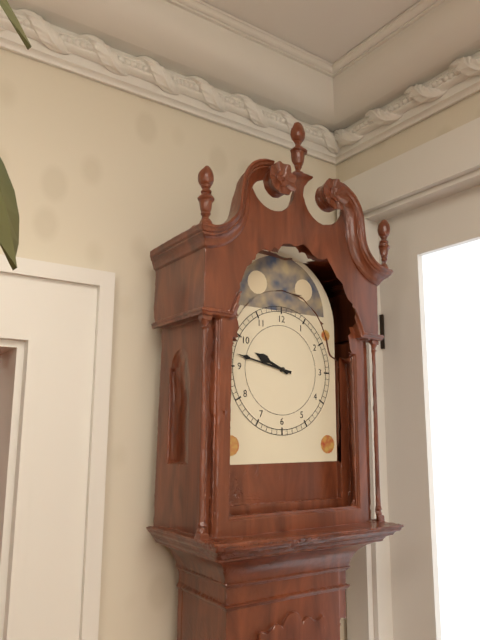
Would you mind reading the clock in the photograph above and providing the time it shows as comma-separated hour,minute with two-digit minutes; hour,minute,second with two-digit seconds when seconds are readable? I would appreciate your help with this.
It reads 9,47
